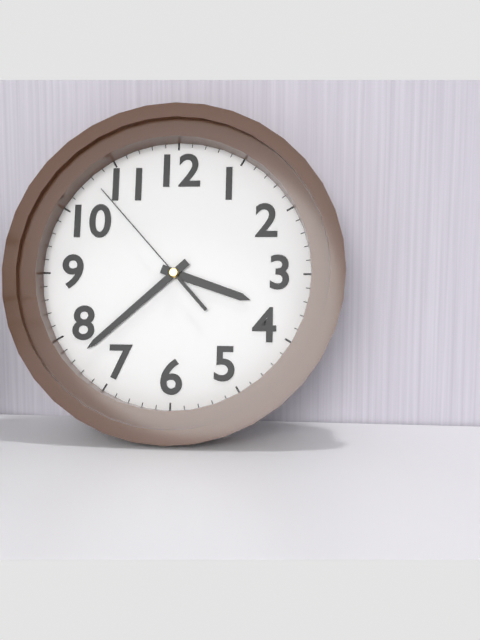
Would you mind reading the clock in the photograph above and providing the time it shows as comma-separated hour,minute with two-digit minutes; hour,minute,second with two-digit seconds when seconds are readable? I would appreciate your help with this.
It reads 3,38,53
